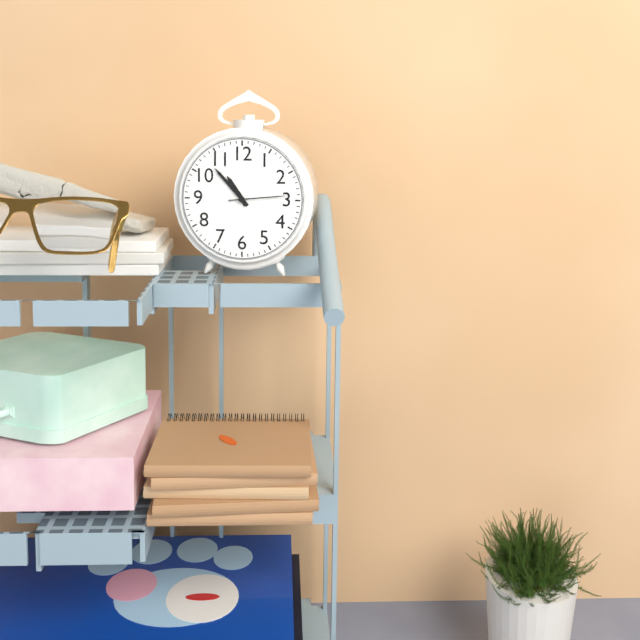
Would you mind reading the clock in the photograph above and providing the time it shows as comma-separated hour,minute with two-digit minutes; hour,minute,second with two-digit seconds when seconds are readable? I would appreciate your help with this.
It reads 10,53,14
